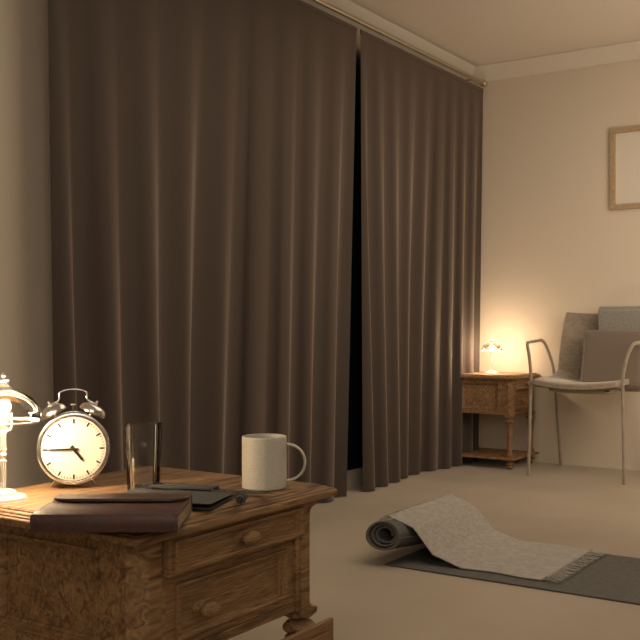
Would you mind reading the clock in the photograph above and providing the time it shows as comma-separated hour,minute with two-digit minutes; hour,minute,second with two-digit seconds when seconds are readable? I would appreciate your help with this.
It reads 4,45
